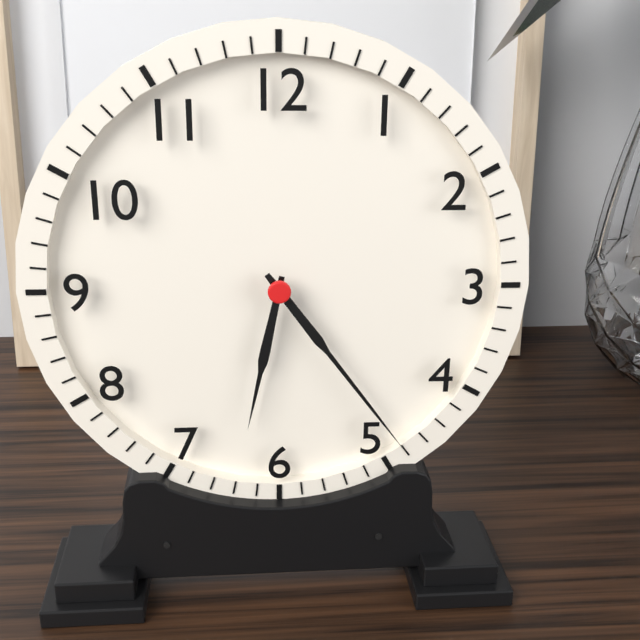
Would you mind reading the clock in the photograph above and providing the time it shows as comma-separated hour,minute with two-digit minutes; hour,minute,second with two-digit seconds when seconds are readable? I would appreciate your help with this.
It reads 6,24
